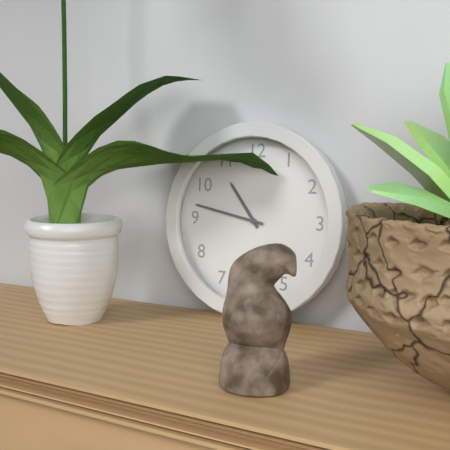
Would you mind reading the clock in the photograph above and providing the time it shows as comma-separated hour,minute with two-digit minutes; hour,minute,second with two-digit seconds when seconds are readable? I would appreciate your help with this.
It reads 10,47
